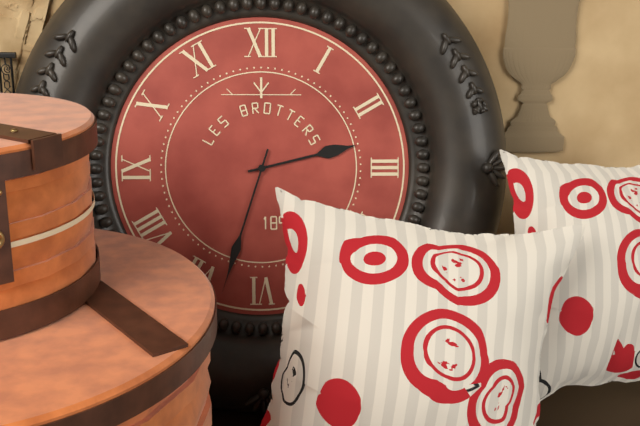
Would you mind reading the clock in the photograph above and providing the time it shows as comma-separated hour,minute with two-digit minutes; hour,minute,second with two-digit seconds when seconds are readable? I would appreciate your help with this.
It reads 2,33
